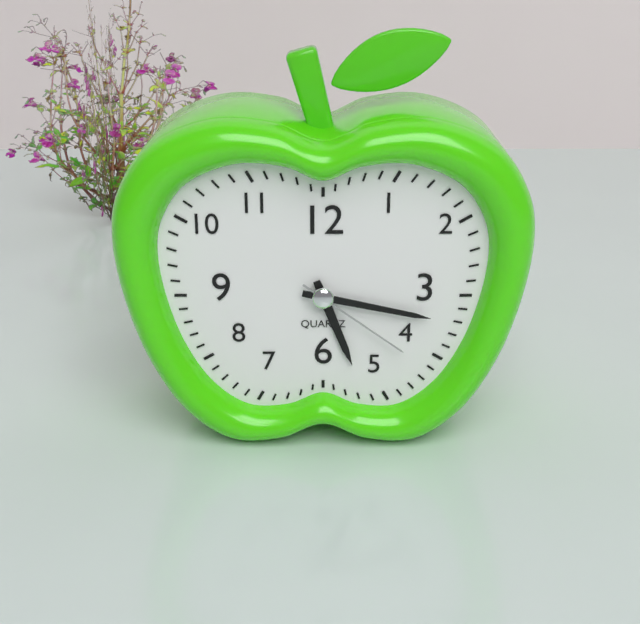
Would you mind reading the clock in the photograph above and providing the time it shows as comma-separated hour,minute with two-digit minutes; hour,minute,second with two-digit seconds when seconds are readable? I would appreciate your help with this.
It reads 5,17,21
